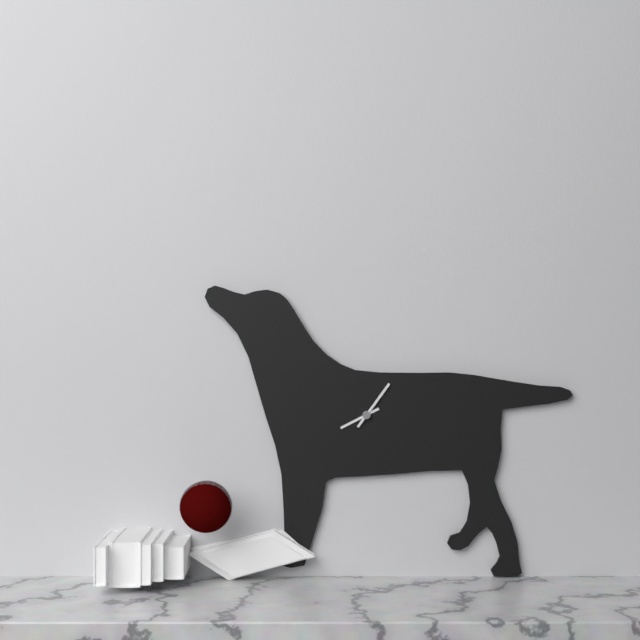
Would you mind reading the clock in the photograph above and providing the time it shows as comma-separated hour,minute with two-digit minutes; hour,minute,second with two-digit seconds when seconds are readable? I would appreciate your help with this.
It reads 8,06
